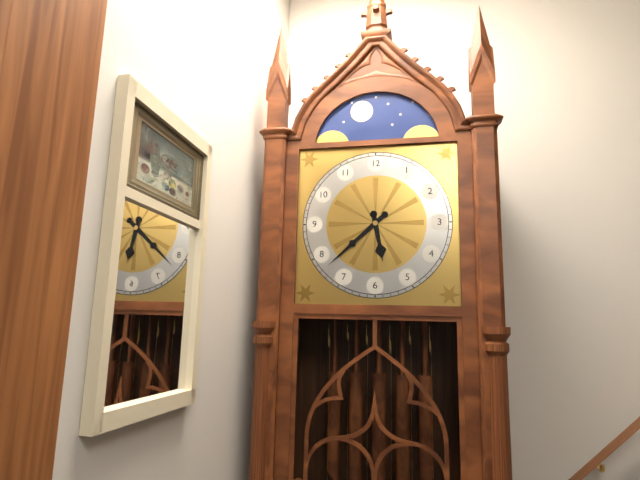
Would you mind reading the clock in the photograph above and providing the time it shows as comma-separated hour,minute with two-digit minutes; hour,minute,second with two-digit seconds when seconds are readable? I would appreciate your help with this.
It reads 5,38
